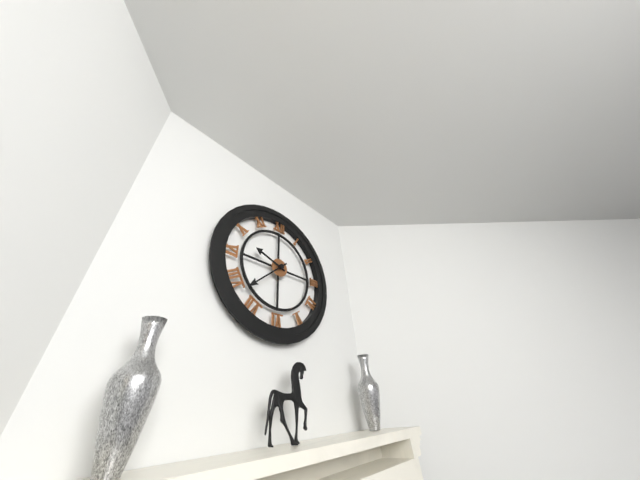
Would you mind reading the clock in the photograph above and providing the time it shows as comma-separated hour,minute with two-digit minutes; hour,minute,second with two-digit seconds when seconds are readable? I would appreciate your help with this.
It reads 9,38
